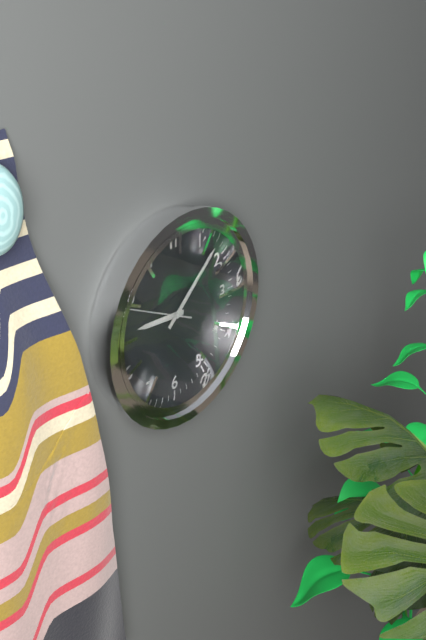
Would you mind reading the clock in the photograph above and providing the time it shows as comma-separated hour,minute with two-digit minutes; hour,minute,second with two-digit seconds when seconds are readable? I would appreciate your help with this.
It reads 9,08,49
